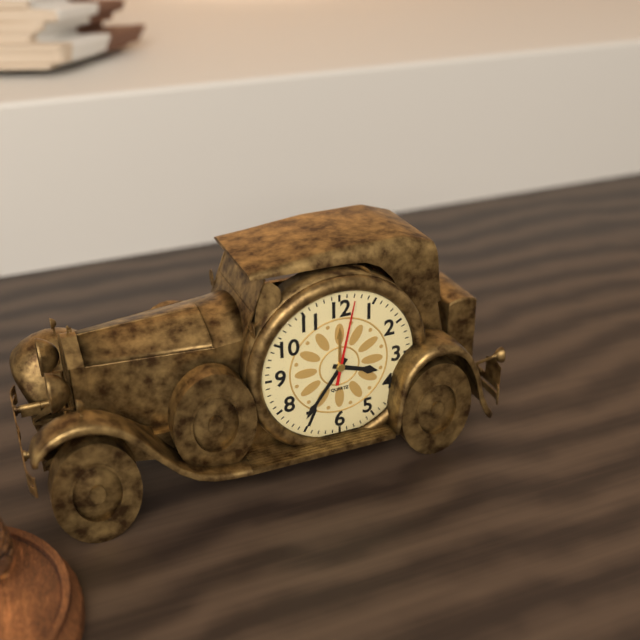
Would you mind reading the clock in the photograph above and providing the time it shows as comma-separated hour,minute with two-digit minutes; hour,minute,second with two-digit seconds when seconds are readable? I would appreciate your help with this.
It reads 3,36,02
